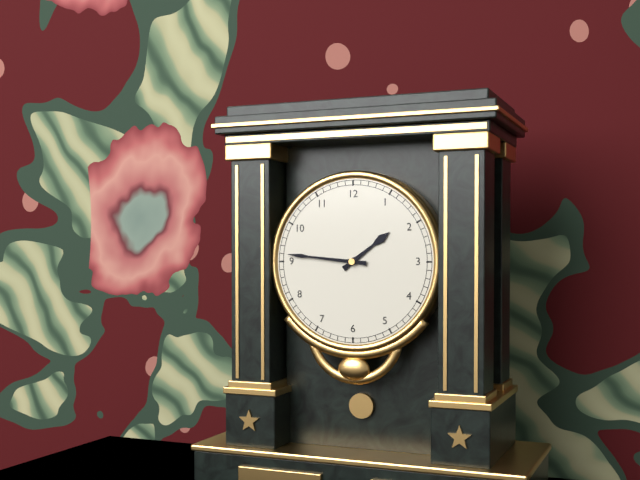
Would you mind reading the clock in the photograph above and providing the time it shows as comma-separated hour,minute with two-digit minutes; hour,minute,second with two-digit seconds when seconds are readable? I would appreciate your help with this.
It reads 1,46
